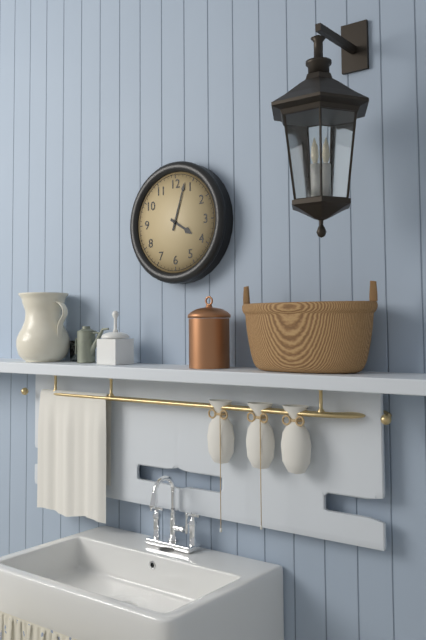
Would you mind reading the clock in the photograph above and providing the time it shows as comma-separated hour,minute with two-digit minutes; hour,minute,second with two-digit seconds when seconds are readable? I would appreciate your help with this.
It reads 4,03
